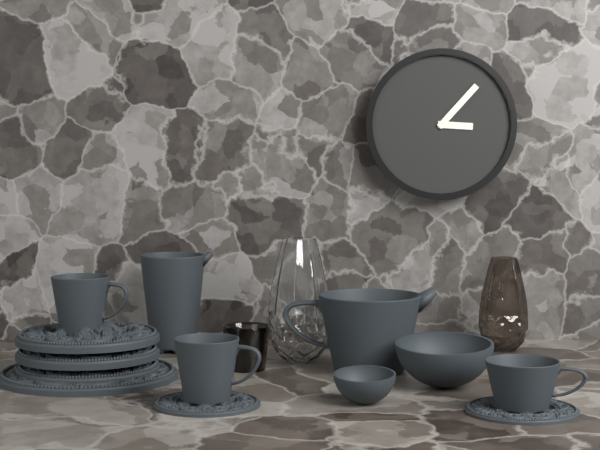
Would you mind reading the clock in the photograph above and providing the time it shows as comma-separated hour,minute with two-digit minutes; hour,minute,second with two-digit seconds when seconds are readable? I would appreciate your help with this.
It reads 3,07
